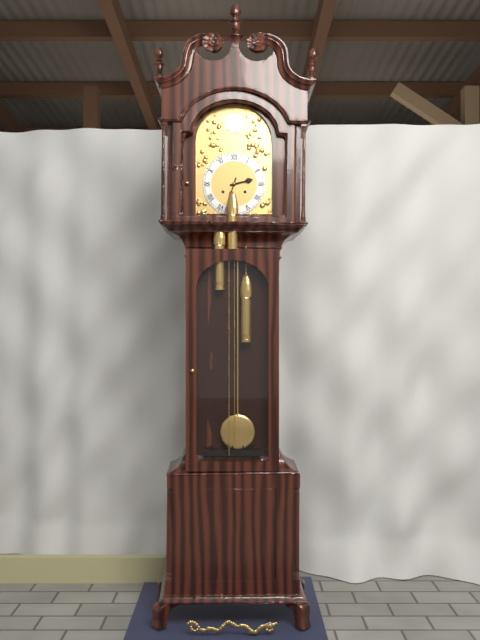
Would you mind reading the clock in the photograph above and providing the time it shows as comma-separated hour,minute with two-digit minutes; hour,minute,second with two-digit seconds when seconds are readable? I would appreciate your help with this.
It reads 2,33
